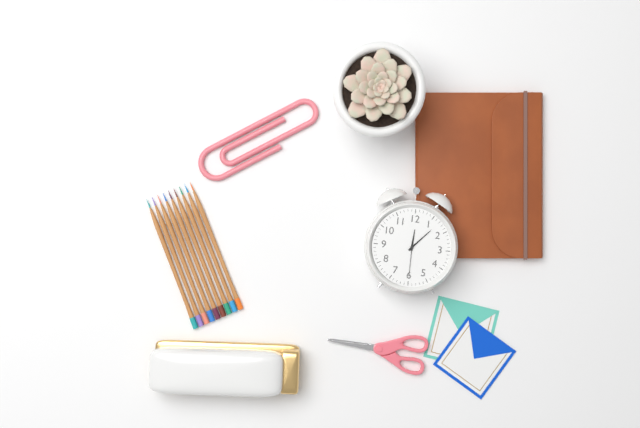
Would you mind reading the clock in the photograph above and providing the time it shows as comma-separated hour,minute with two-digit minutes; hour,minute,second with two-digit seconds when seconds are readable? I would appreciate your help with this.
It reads 12,07
